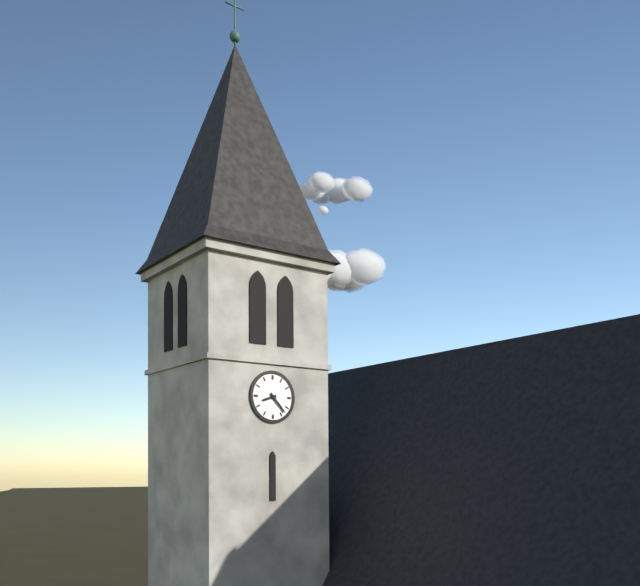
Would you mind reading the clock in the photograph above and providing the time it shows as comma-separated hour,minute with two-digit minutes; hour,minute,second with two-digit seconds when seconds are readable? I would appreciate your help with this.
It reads 8,23
